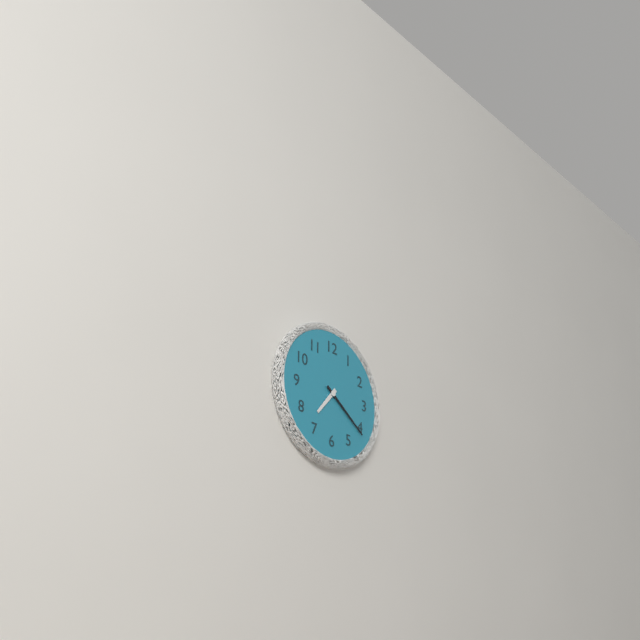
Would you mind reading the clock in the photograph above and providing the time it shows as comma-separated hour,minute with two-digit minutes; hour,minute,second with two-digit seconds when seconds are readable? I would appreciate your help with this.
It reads 7,21
